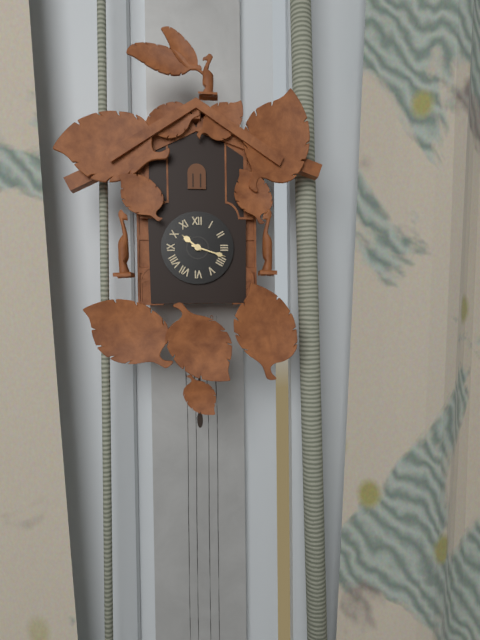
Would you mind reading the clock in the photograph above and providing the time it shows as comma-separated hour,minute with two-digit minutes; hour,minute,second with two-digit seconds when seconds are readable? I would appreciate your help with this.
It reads 10,18
